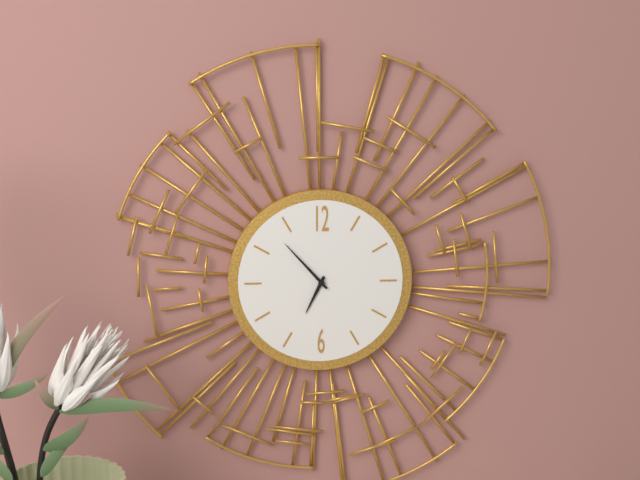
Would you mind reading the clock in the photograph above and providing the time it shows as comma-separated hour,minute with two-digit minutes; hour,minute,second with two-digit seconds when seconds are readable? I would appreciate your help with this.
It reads 6,53
